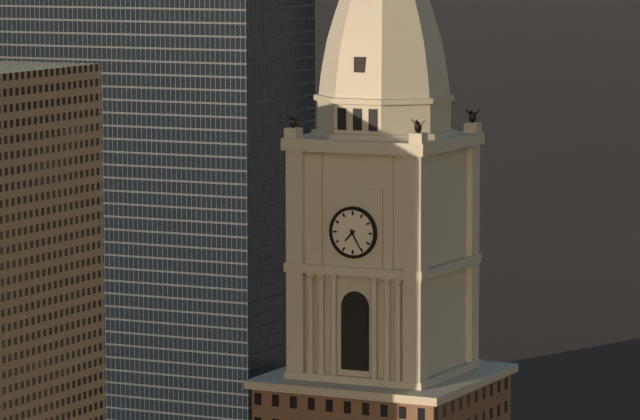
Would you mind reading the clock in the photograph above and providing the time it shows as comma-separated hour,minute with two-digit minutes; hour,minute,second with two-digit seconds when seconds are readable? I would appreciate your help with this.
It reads 7,25
